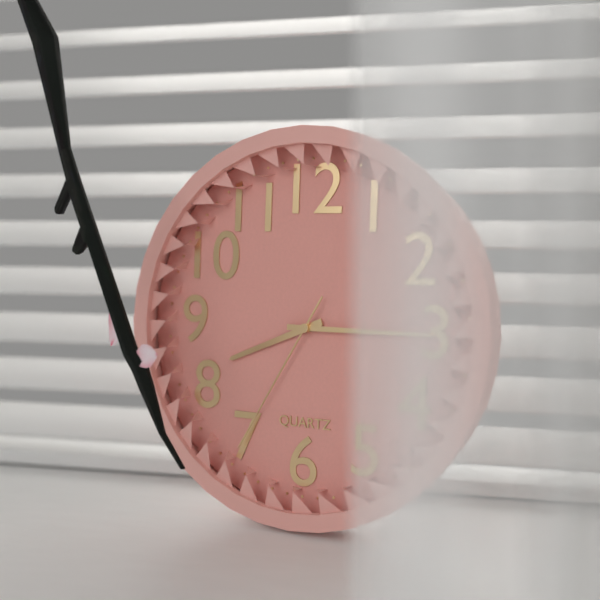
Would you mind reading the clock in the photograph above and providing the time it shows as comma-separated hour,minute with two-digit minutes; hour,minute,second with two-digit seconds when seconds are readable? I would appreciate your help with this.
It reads 8,15,35
